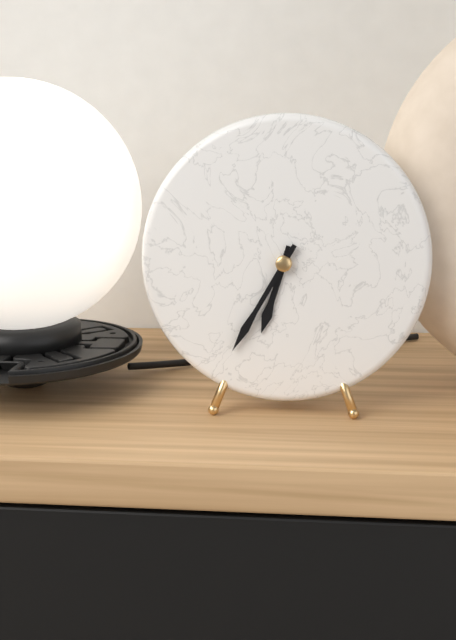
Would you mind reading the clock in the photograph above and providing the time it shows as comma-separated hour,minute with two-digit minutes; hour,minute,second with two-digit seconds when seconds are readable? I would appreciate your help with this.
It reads 6,35
